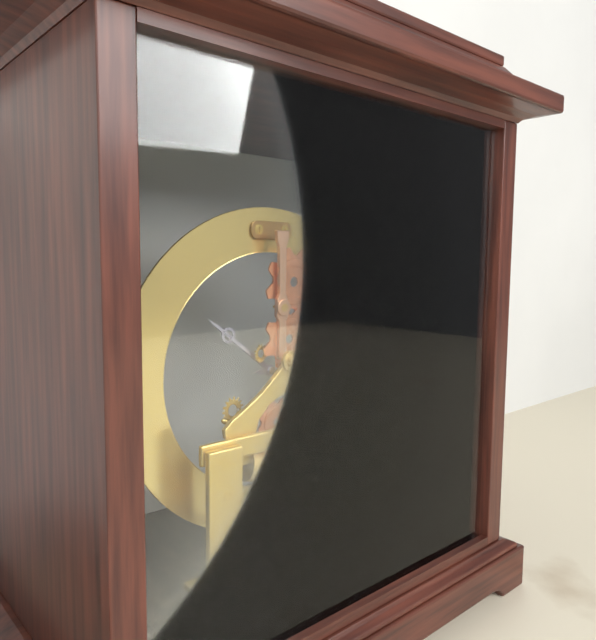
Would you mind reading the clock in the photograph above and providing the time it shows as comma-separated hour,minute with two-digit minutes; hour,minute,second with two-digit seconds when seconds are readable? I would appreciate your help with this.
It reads 10,15
